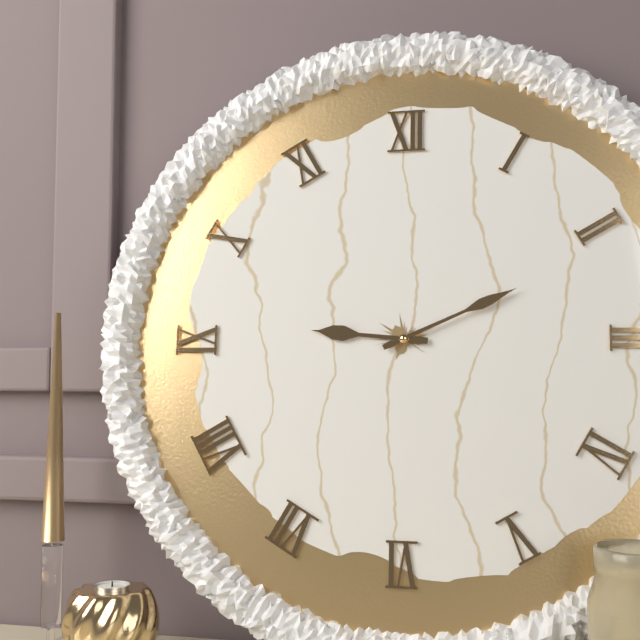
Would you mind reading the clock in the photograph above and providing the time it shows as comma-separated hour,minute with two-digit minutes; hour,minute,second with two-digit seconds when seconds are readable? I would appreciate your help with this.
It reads 9,11
